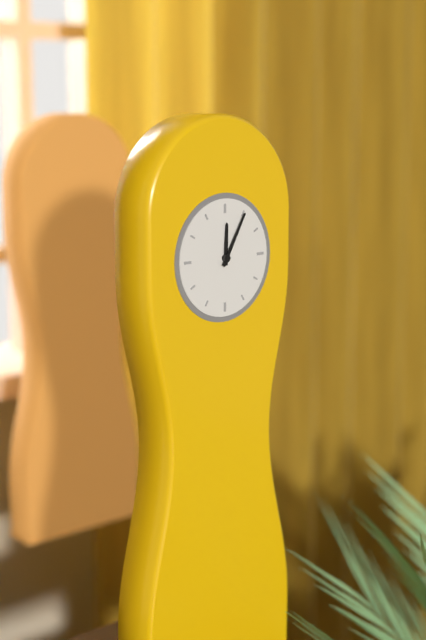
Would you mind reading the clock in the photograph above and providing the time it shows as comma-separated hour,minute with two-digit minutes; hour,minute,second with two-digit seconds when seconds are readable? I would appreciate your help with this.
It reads 12,05
